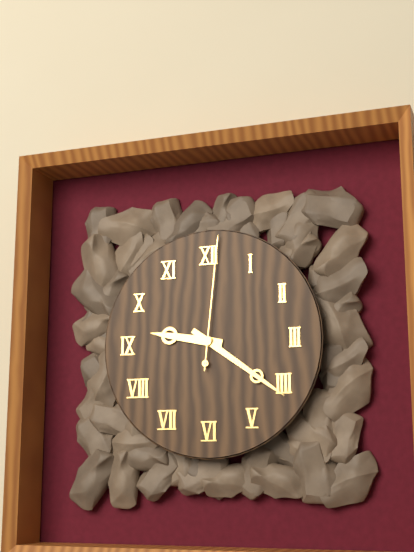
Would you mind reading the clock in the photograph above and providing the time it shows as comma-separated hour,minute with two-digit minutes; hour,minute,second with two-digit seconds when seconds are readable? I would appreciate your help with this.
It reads 9,21,01
